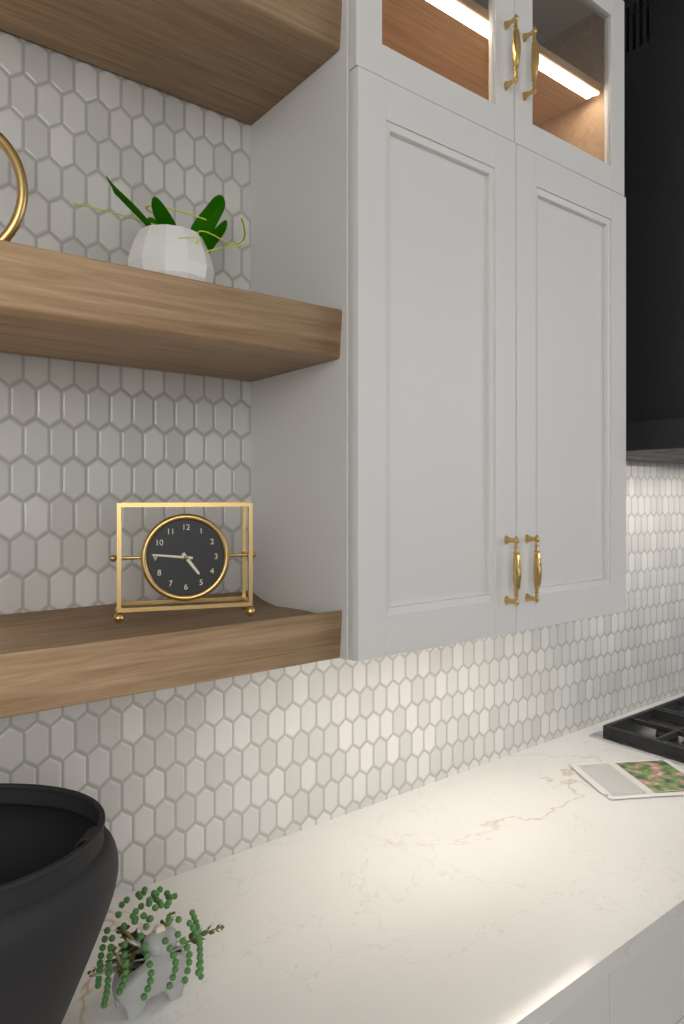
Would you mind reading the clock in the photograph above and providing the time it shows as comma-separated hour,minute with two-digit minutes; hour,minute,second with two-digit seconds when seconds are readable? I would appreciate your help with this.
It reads 4,46
